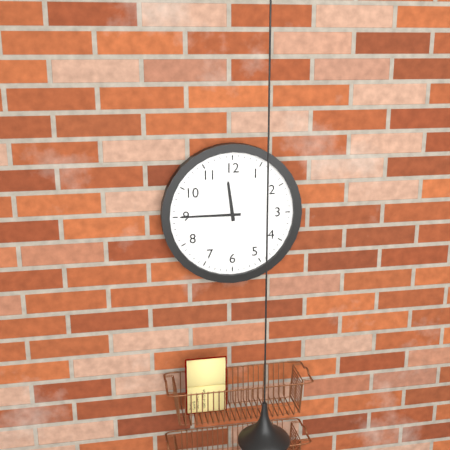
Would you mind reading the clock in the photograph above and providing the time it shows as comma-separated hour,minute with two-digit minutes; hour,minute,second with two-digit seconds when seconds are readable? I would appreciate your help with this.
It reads 11,45
